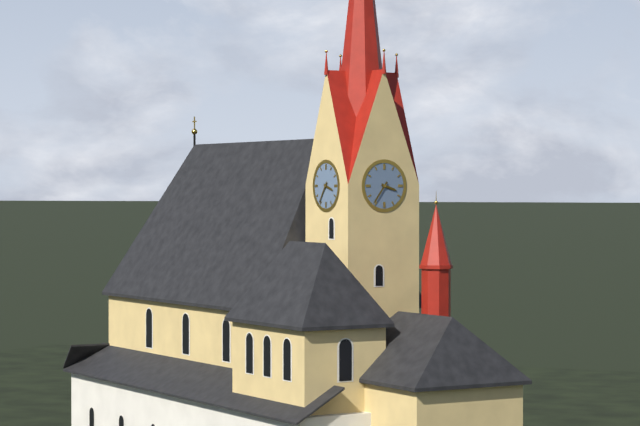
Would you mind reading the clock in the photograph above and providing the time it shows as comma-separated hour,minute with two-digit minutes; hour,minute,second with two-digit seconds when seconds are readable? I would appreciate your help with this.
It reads 3,36
